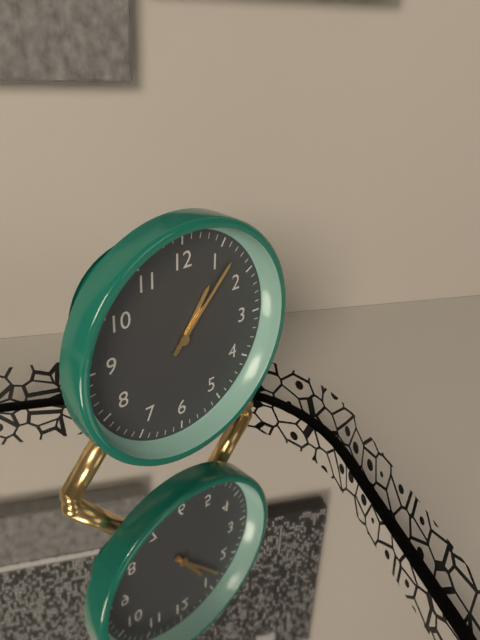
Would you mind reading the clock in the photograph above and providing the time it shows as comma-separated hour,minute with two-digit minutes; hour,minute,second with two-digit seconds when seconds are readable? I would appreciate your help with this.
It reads 1,07
